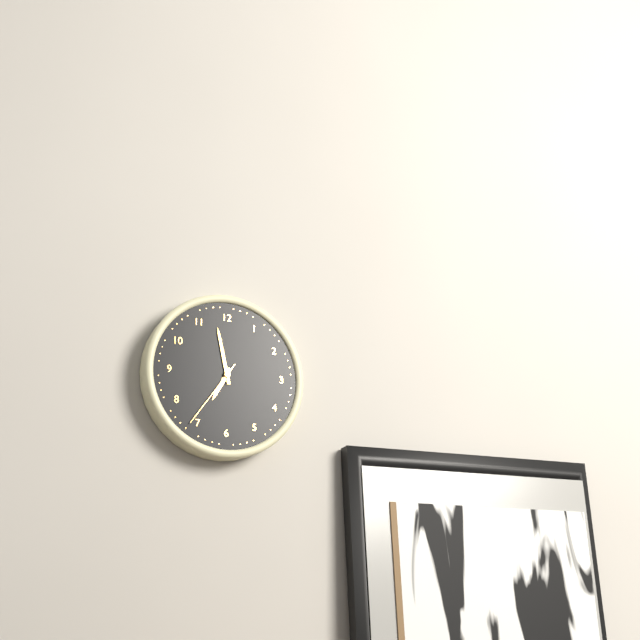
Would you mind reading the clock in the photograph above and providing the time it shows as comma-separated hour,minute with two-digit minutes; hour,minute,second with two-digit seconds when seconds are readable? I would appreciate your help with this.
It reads 6,58,36
